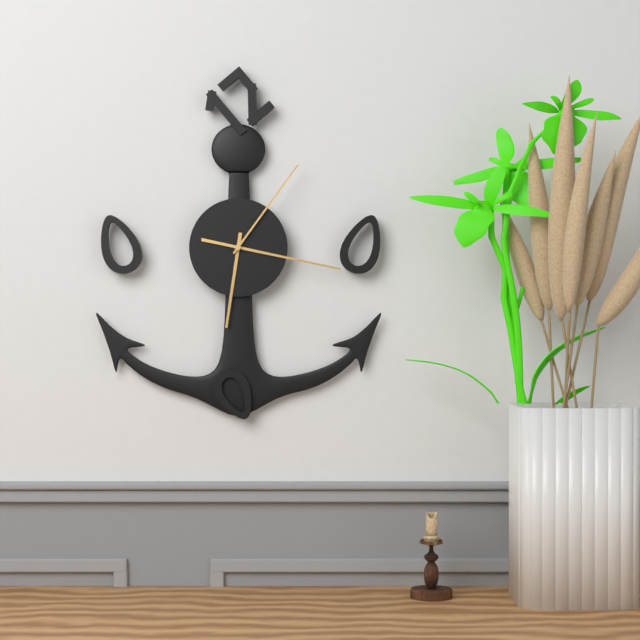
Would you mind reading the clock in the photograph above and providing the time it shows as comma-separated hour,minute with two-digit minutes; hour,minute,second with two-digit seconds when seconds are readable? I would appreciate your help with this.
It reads 6,17,06
